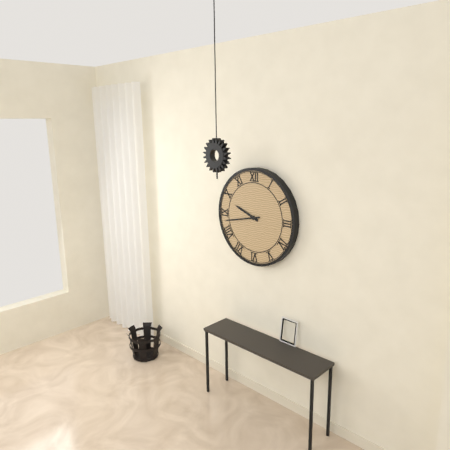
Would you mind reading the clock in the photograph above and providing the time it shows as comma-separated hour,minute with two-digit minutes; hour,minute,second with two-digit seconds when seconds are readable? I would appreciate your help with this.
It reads 9,43
